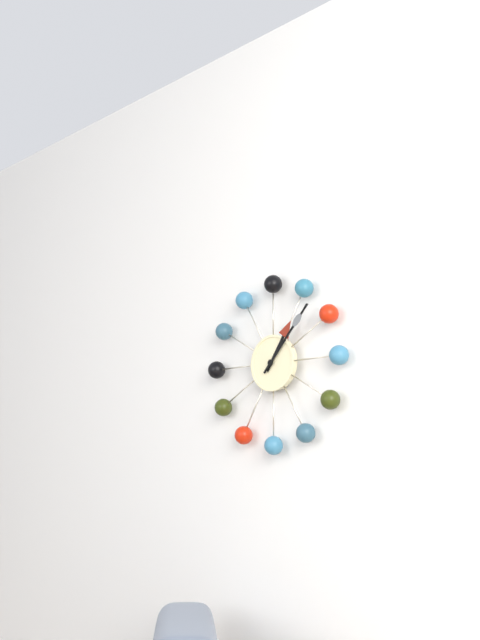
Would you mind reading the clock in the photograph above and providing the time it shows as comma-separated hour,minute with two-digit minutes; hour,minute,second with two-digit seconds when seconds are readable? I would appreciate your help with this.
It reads 1,07
